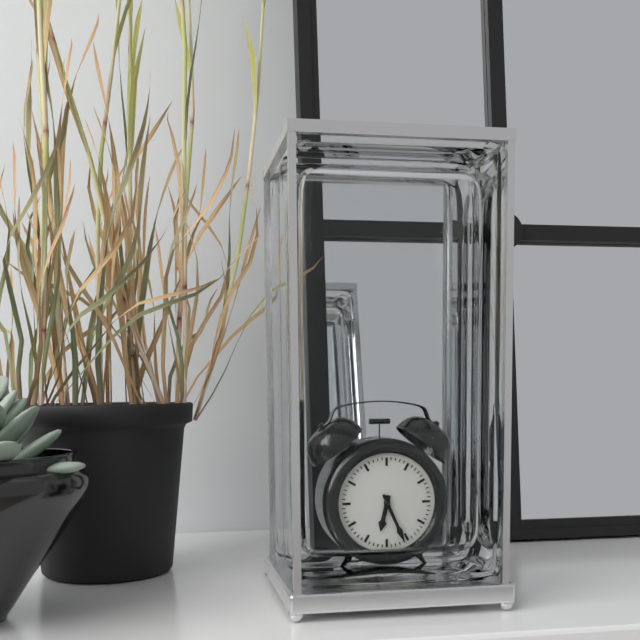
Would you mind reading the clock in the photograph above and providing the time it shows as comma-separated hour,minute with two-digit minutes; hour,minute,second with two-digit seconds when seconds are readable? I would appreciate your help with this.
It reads 6,26
